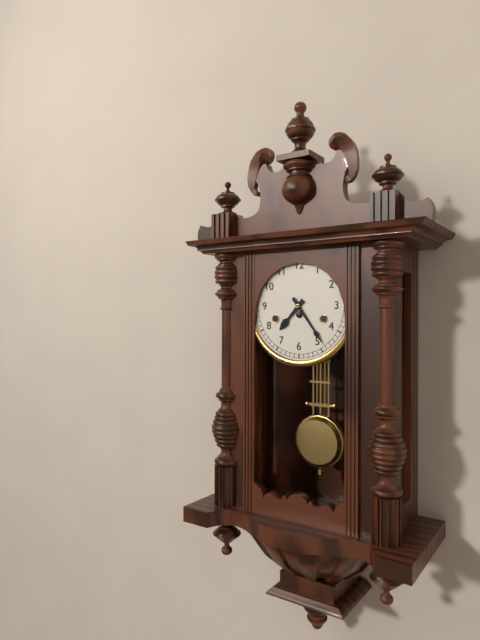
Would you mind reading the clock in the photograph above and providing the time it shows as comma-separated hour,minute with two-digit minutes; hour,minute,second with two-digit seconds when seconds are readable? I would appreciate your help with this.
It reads 7,24
